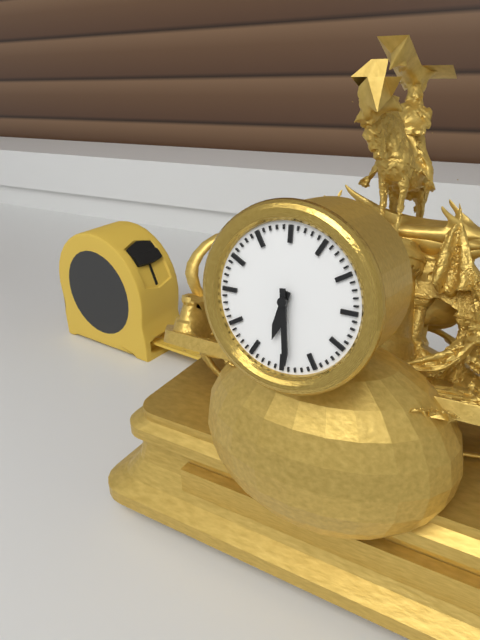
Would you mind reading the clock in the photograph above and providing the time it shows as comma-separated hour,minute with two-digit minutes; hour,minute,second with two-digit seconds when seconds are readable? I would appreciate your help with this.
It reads 6,29
